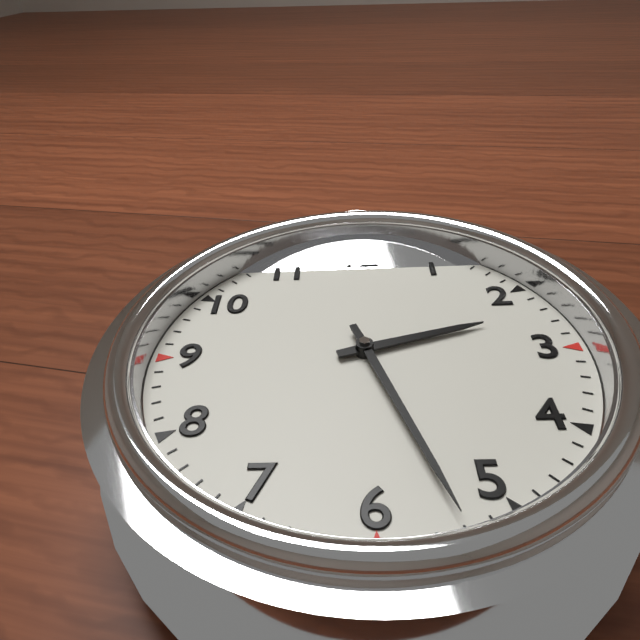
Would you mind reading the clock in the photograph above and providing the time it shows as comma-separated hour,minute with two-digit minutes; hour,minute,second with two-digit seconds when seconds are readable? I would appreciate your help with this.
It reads 2,27
